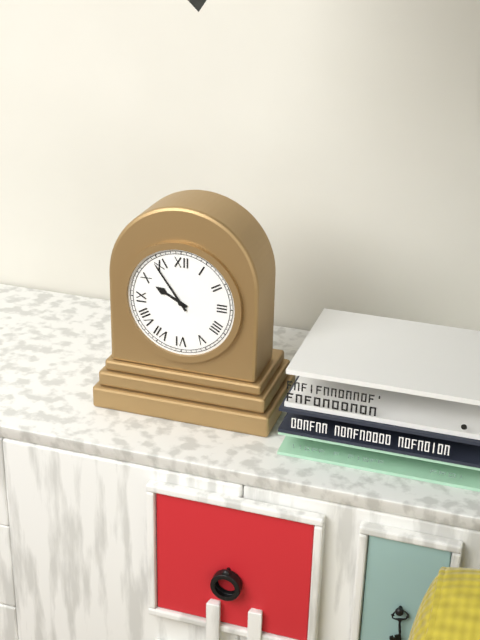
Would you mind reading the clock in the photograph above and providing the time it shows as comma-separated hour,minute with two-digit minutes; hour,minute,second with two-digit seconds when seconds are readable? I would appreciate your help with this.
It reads 9,54
